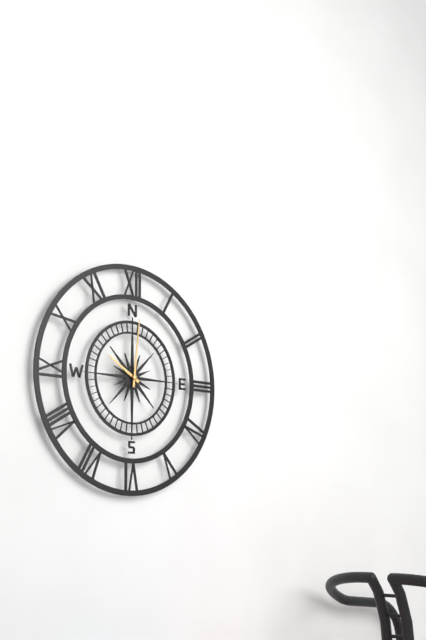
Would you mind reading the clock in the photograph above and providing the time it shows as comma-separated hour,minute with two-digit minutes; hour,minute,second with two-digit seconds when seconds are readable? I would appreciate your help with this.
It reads 10,01
